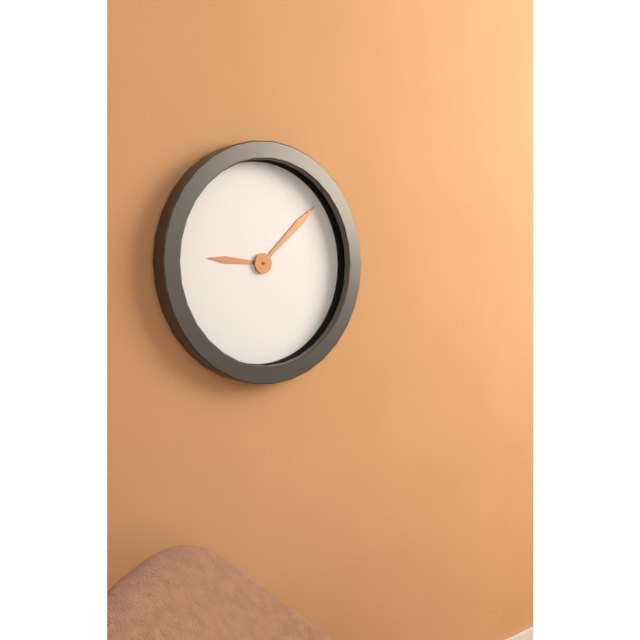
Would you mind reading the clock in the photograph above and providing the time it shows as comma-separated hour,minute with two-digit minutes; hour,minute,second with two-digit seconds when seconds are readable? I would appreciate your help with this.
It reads 9,08
